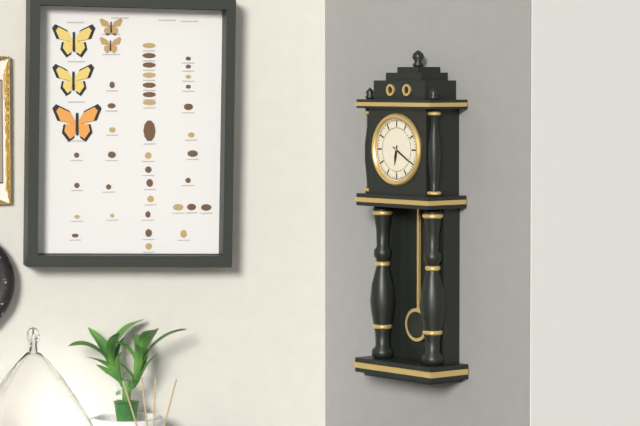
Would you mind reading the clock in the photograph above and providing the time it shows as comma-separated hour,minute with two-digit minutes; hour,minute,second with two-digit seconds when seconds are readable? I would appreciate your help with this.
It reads 6,20
